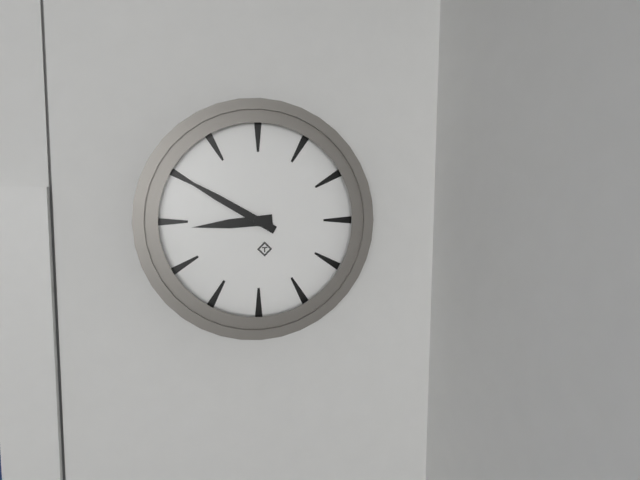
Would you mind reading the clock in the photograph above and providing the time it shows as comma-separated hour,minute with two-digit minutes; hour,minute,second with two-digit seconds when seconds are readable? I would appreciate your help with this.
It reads 8,50
